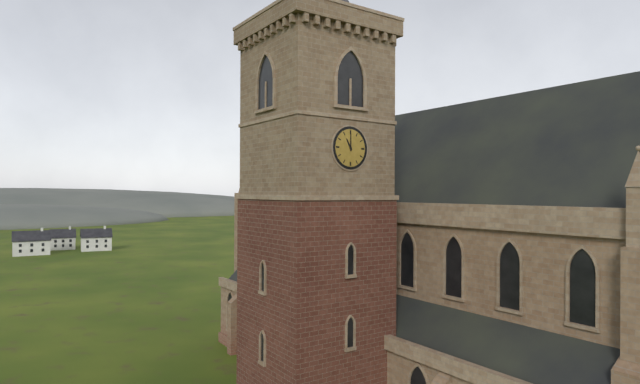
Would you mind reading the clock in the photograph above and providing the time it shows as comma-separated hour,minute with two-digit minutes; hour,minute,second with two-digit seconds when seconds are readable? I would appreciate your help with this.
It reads 11,00
